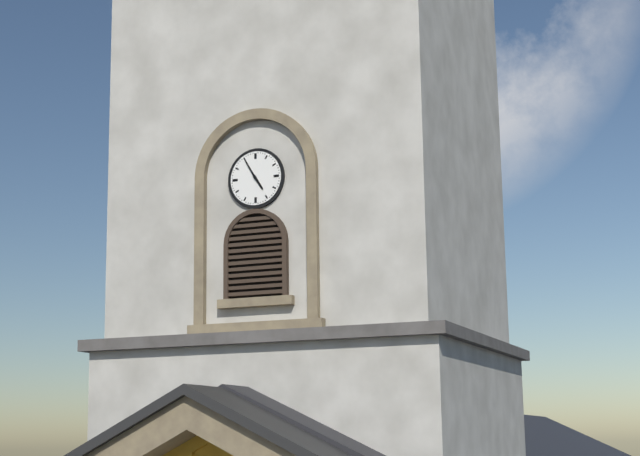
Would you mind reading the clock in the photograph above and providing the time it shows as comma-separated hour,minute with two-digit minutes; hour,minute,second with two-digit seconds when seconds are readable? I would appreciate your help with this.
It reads 4,55
